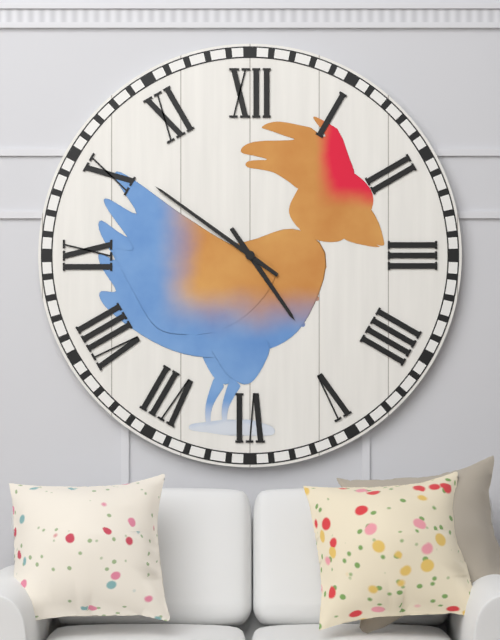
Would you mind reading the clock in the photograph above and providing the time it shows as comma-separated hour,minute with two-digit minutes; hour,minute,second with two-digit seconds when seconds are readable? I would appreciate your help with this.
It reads 4,51
